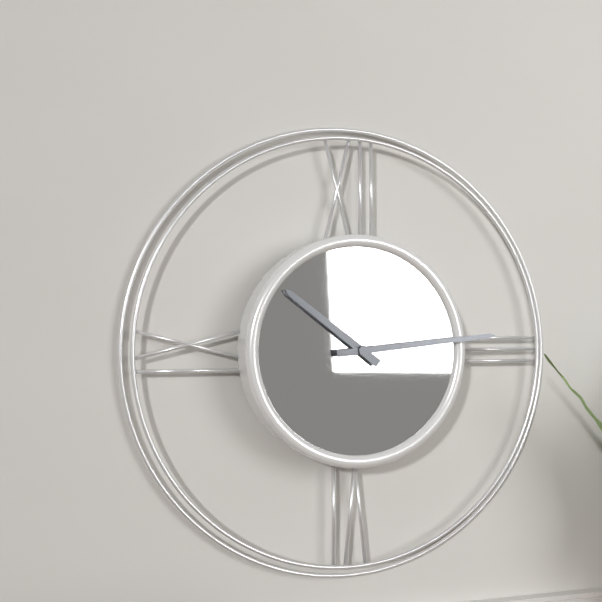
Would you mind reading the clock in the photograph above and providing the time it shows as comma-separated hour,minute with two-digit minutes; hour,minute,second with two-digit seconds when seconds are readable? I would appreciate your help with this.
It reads 10,14
